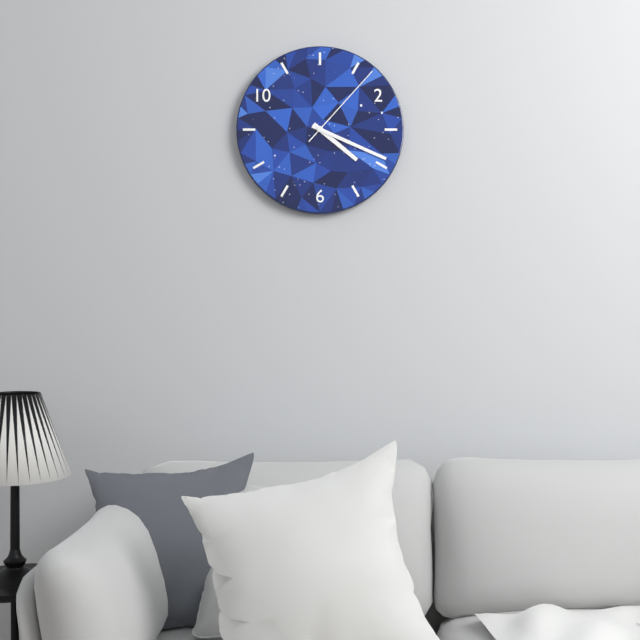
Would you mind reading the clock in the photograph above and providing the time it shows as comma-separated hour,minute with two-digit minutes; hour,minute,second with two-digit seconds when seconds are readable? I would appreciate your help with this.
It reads 4,19,07
